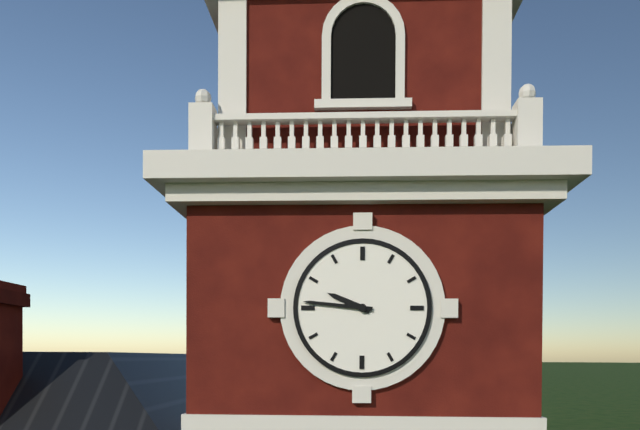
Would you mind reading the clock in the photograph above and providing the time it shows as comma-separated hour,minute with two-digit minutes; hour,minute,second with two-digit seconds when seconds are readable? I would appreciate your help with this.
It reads 9,46
